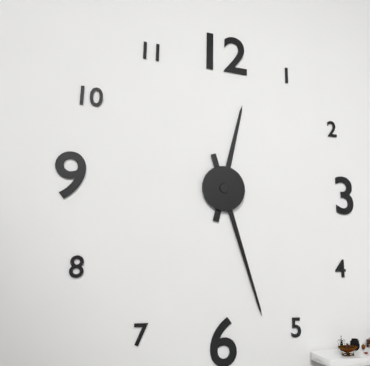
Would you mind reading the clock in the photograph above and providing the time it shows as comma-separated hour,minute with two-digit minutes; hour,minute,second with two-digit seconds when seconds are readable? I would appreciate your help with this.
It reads 12,27
